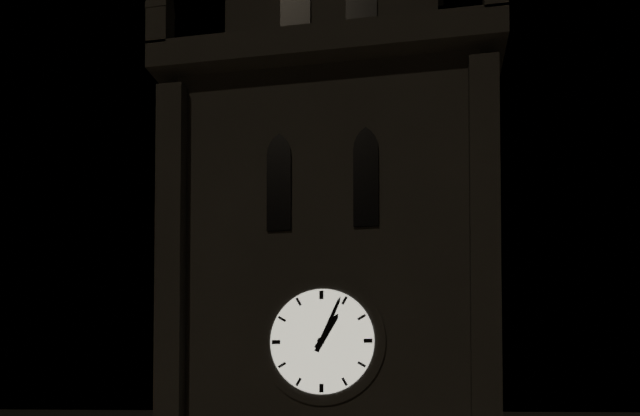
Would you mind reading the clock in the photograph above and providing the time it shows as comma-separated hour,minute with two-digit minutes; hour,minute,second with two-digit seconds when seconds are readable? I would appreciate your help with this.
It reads 1,04
